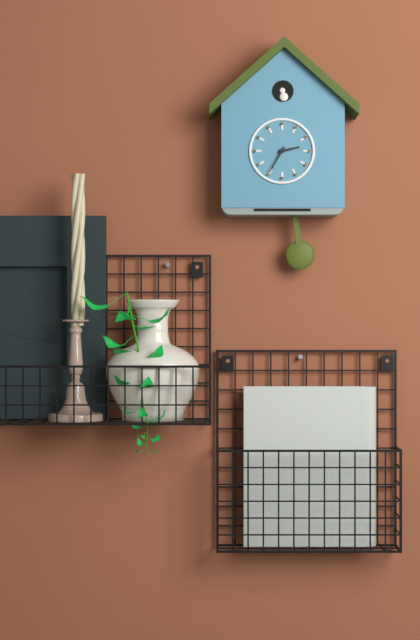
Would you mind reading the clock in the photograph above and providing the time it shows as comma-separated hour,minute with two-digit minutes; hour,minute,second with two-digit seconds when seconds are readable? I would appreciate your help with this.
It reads 2,35
